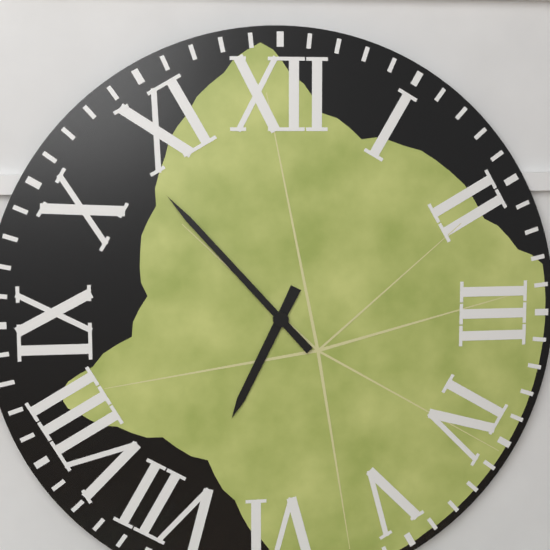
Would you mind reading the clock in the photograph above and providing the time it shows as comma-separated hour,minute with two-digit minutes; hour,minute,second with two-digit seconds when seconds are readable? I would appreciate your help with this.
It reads 6,53
